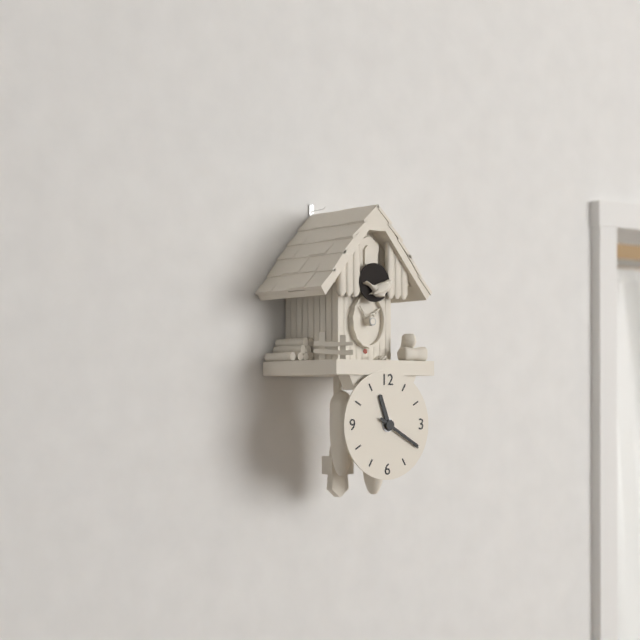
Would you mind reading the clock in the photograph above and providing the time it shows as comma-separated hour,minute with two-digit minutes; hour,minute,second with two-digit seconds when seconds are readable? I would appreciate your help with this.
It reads 11,20
